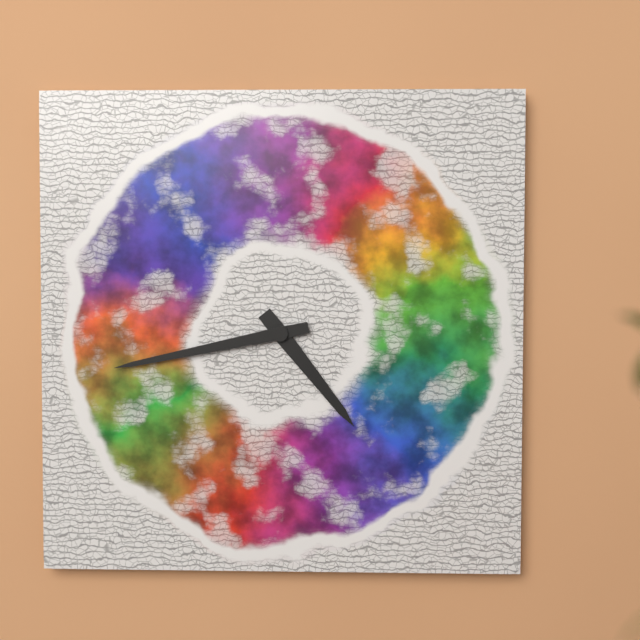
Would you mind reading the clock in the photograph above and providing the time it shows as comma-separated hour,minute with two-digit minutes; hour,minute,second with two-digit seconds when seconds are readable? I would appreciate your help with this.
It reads 4,43
